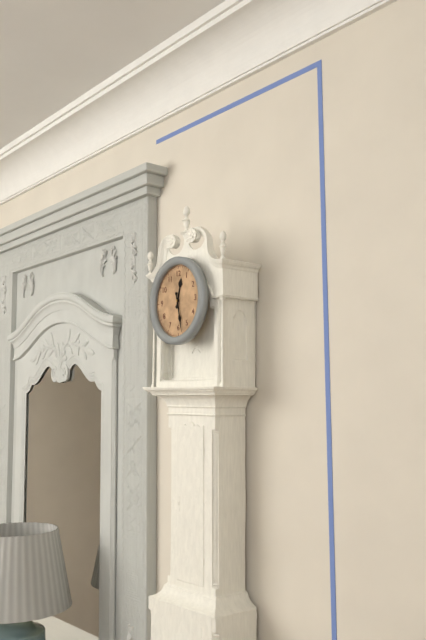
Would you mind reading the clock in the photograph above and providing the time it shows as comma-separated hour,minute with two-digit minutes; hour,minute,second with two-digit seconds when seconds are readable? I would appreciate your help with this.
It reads 12,28
